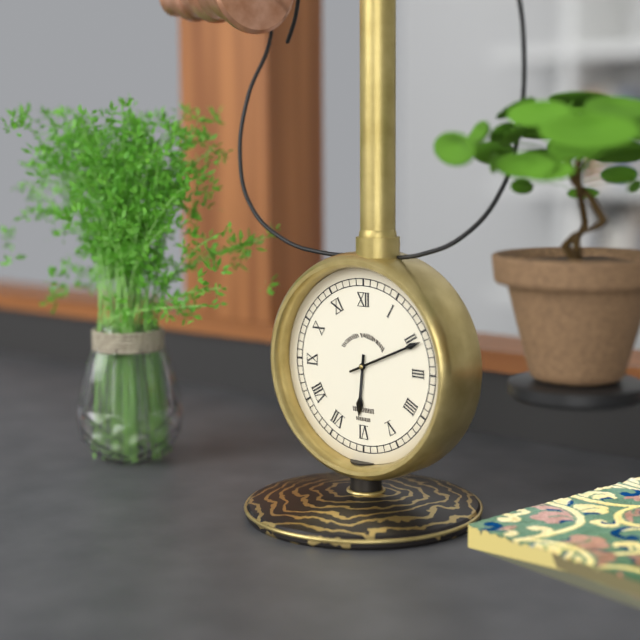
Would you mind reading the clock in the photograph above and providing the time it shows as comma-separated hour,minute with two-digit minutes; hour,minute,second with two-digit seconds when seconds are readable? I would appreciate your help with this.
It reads 6,11
